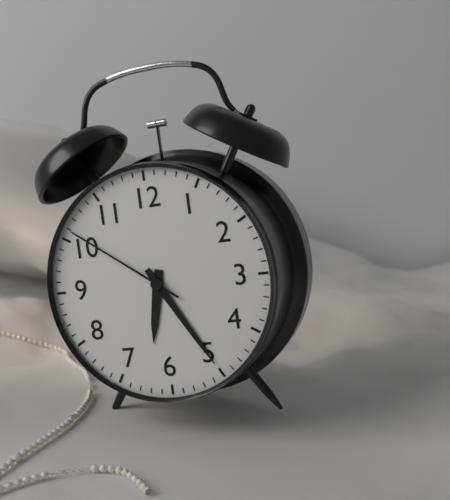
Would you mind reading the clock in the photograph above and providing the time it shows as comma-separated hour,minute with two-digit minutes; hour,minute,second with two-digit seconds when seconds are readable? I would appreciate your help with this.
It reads 6,25,51
